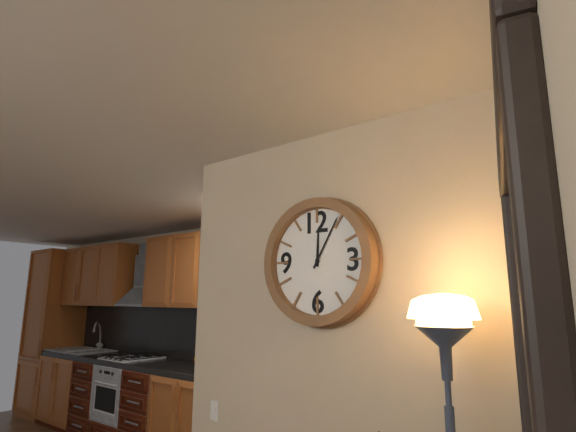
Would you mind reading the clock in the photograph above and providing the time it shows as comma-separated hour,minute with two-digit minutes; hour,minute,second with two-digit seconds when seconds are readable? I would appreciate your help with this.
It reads 12,05
